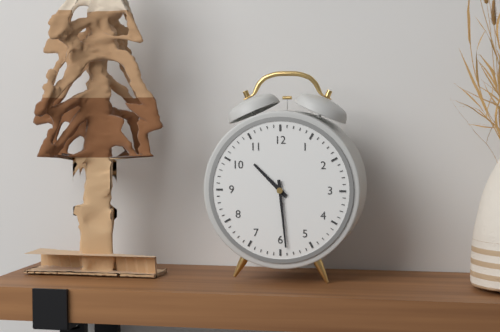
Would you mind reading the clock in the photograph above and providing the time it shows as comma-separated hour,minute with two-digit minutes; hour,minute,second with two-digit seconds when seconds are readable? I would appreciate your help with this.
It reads 10,29
